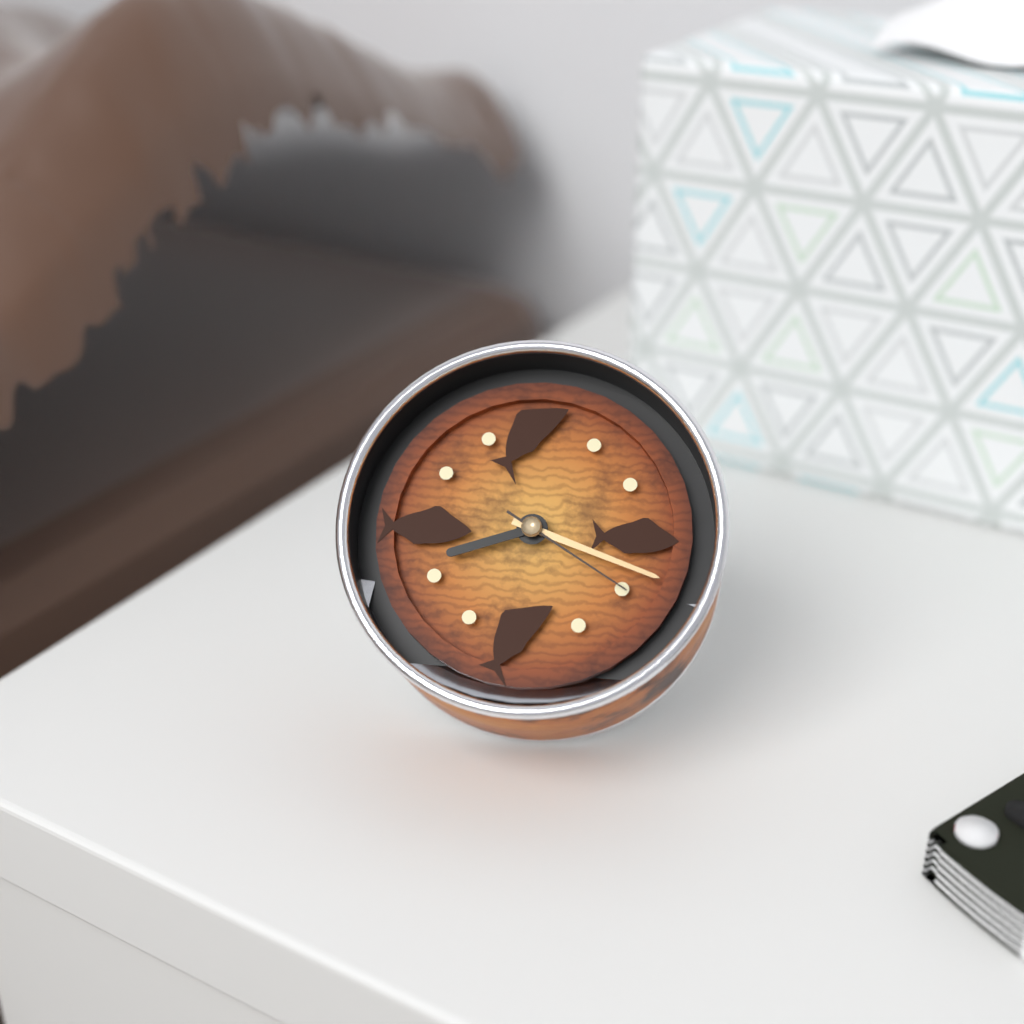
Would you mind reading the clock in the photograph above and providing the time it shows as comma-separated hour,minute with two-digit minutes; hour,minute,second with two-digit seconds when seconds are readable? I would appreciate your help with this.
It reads 8,18,20
